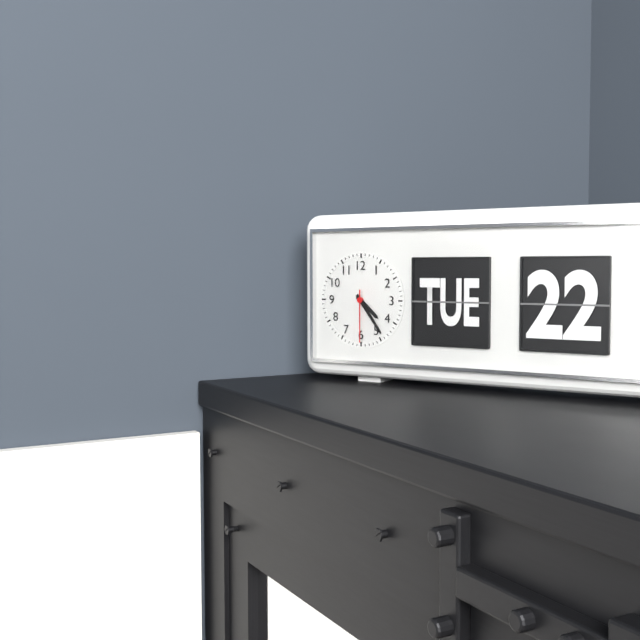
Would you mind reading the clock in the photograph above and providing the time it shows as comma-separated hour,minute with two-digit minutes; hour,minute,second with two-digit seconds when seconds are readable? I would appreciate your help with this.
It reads 4,24,30
